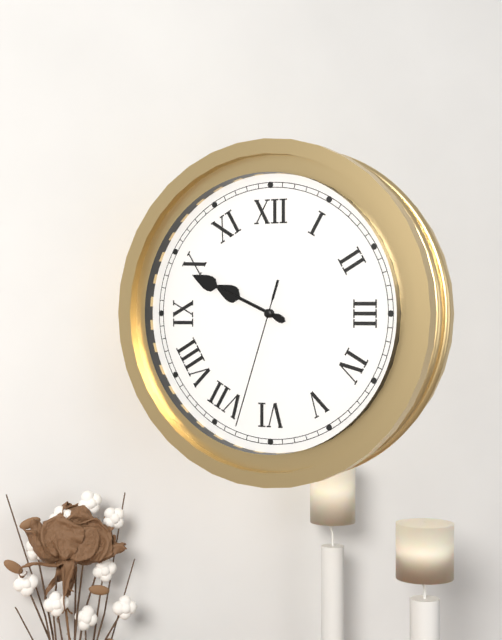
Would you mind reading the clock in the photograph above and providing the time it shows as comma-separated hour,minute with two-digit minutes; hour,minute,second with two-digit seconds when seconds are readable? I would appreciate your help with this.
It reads 9,49,33
